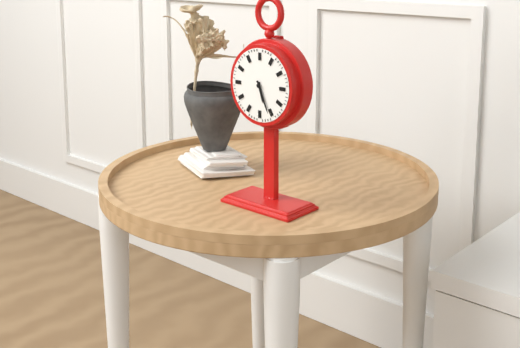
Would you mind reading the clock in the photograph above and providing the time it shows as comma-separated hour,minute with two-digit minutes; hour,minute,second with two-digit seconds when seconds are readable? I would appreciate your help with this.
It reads 5,26
